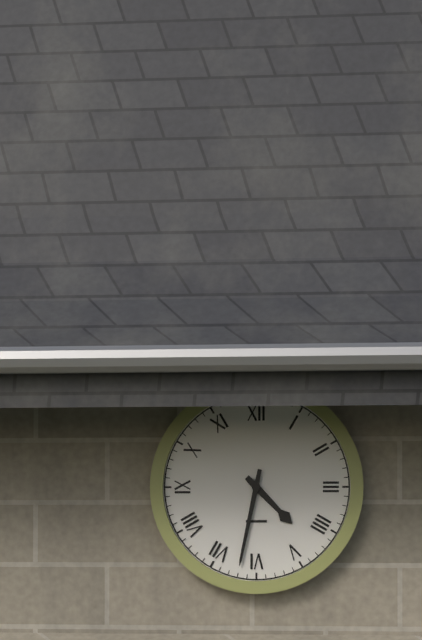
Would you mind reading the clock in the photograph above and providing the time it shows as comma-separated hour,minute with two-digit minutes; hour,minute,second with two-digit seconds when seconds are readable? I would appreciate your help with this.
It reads 4,32
